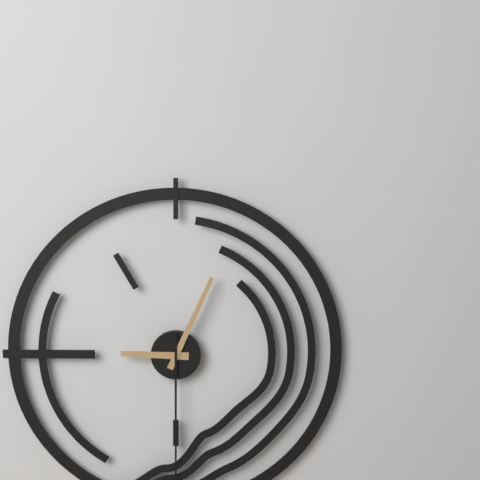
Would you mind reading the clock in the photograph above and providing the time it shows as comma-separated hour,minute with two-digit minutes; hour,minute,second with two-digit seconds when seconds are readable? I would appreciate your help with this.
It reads 9,04
